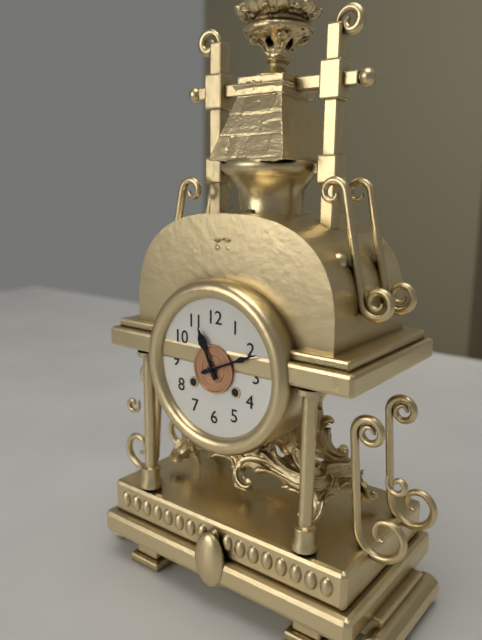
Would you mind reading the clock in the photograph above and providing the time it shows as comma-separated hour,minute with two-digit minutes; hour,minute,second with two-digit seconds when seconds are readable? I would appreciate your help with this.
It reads 11,11
